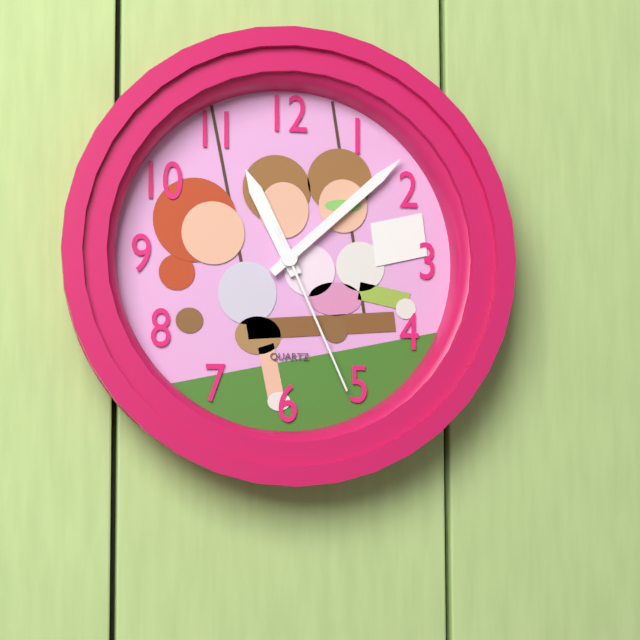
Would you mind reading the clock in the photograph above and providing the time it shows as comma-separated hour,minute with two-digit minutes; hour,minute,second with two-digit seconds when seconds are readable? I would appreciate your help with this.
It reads 11,08,26
